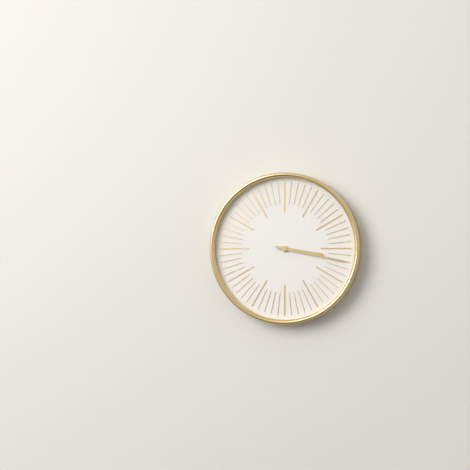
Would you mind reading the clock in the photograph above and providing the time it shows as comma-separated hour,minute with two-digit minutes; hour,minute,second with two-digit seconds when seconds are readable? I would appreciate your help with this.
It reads 3,17
